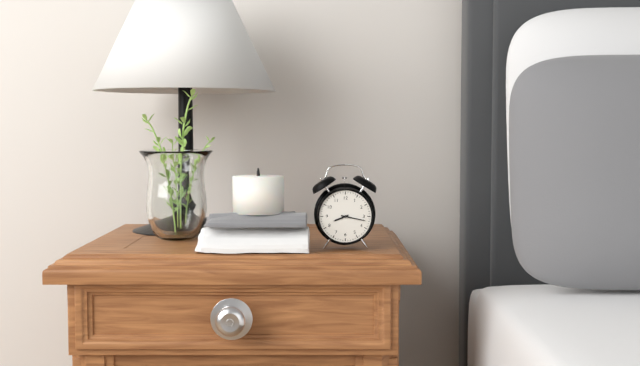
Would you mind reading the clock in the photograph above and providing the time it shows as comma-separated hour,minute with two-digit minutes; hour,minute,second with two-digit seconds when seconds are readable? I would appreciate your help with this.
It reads 8,17
